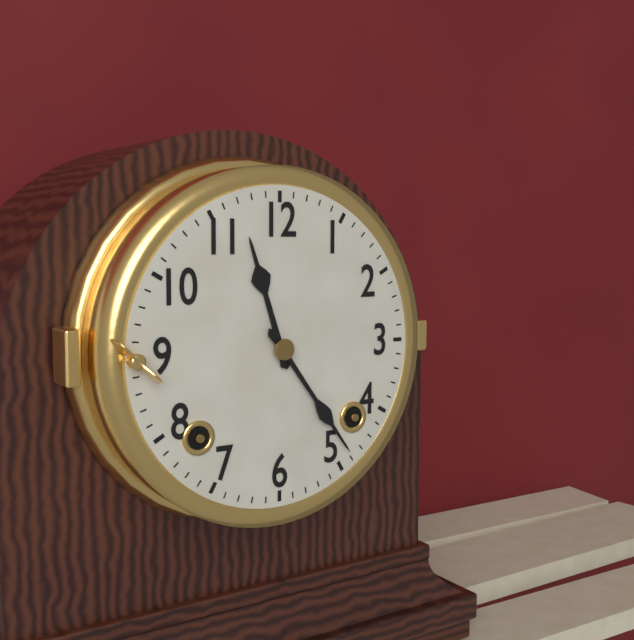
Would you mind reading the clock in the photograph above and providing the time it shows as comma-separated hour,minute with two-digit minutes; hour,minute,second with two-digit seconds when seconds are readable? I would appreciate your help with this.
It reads 11,24
